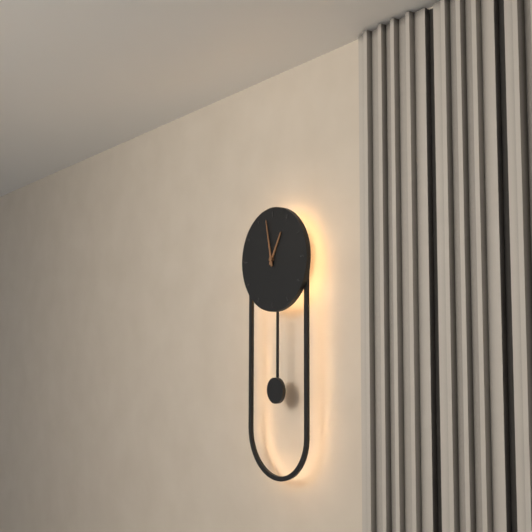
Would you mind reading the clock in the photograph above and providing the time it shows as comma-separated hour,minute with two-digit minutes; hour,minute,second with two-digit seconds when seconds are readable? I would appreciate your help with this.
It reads 12,58
